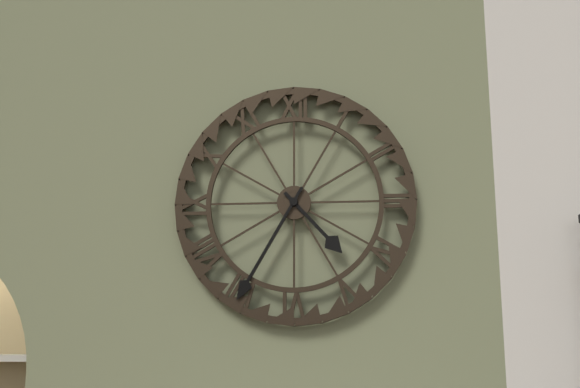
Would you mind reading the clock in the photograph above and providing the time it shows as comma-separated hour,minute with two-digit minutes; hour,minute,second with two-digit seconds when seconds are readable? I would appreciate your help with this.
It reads 4,35
